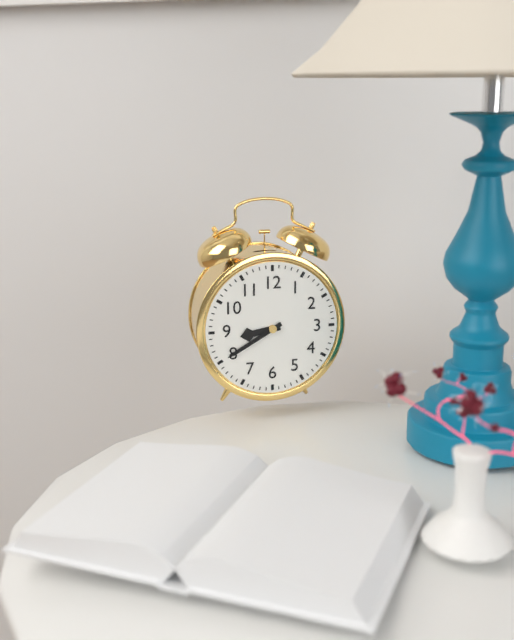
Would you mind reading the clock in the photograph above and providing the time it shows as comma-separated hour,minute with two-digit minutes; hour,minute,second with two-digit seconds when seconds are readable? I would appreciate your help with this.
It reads 8,40
